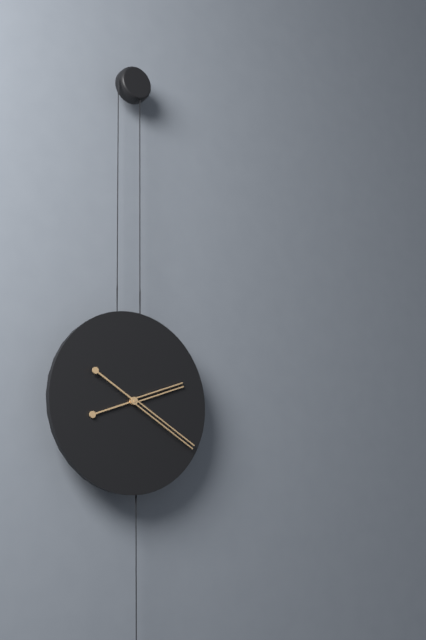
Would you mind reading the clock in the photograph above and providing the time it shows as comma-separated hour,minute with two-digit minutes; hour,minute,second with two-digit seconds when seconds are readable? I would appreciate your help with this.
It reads 2,20
